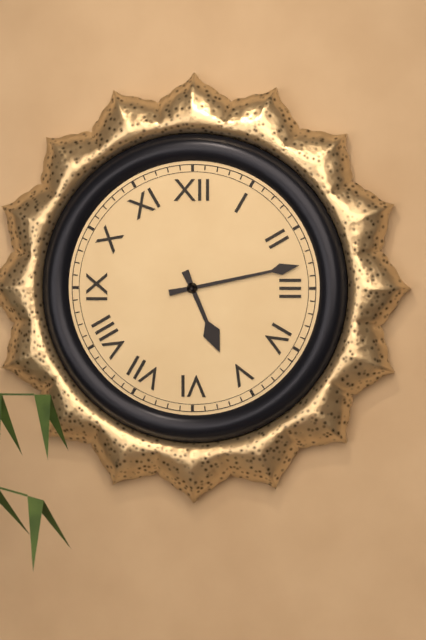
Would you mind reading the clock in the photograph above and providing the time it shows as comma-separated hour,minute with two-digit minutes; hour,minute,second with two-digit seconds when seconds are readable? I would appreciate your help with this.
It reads 5,13
